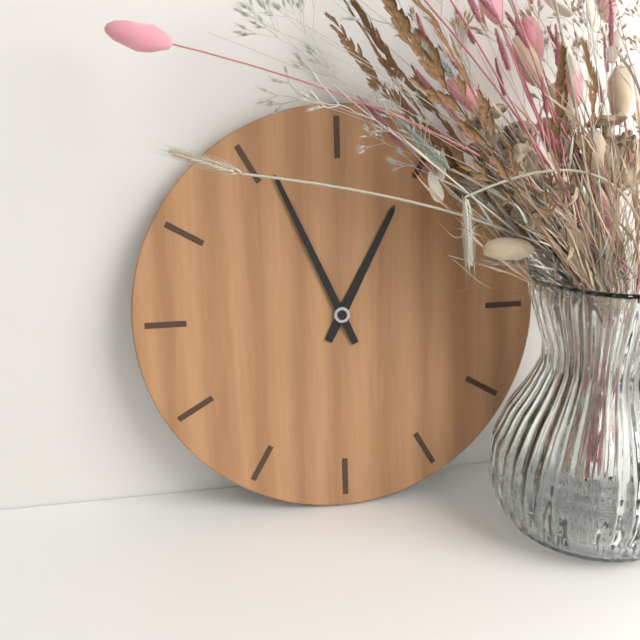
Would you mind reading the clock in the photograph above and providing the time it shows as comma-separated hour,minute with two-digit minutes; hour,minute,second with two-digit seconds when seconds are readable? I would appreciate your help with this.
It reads 12,56
